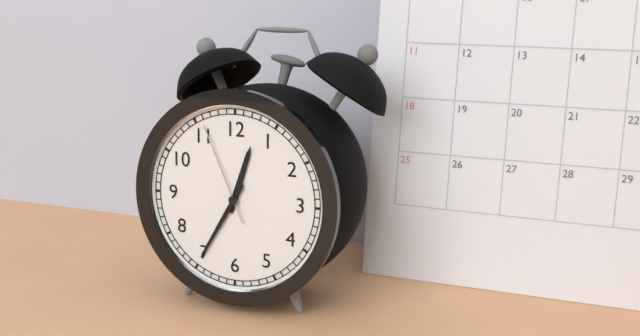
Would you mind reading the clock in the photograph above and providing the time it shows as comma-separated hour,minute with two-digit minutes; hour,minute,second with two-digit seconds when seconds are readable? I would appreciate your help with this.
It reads 12,35,56
